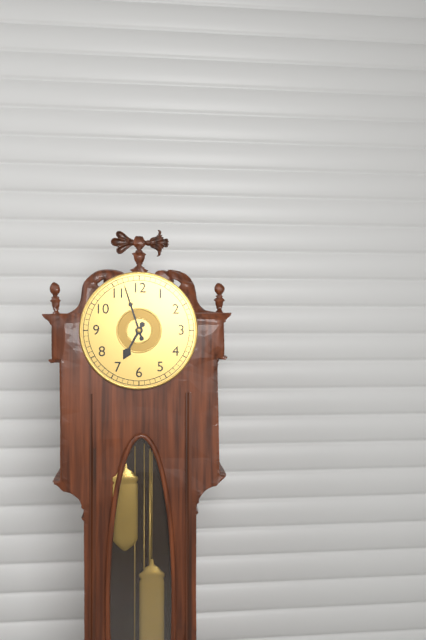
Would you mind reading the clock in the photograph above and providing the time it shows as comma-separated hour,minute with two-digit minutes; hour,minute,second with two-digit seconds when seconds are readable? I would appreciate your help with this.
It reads 6,57
